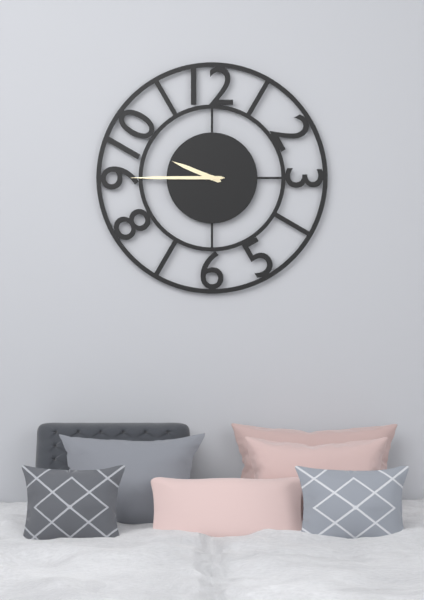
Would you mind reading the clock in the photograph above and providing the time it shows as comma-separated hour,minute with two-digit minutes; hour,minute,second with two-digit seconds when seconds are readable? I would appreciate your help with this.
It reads 9,45
